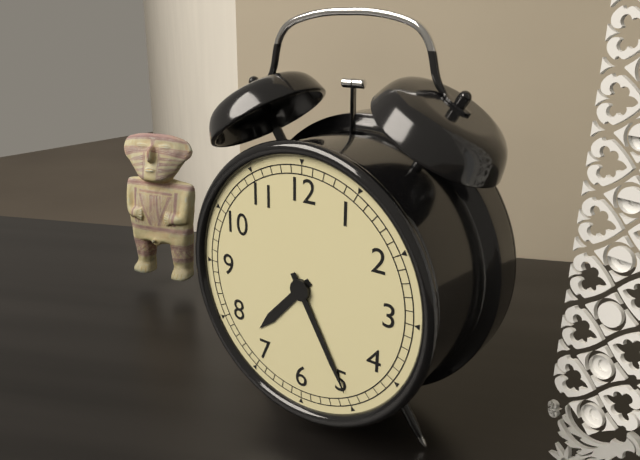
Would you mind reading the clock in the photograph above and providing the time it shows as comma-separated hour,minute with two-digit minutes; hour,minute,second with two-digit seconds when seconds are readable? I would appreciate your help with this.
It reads 7,25
